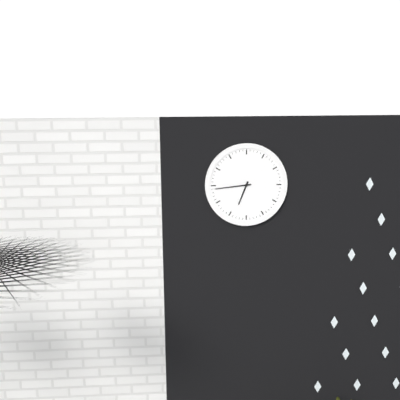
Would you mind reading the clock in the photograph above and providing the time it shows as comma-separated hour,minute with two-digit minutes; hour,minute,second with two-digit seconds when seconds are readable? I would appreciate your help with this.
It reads 6,44
